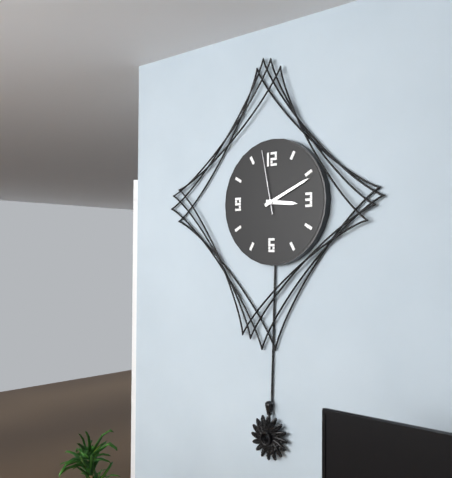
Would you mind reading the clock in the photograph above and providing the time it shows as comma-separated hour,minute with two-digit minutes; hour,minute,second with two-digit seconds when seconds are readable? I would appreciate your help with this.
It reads 3,11,58
